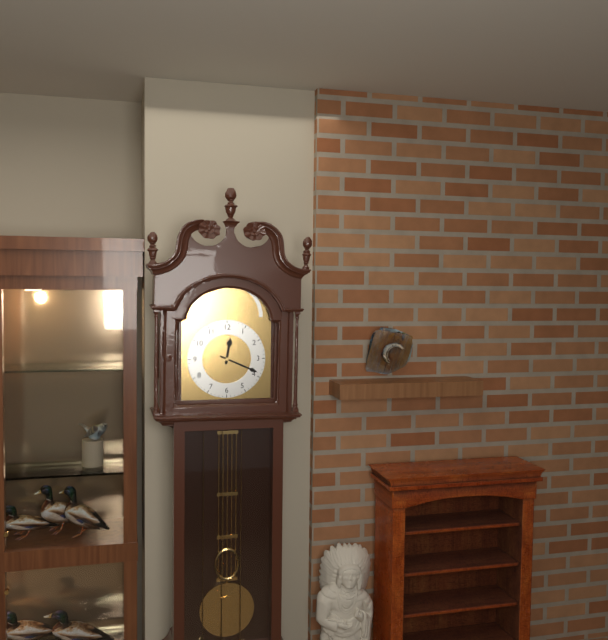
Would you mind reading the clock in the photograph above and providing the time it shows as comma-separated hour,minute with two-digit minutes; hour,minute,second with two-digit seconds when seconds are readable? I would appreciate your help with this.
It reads 12,19
